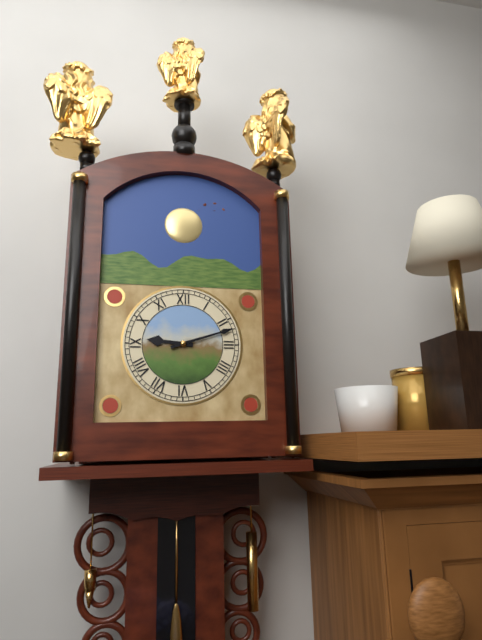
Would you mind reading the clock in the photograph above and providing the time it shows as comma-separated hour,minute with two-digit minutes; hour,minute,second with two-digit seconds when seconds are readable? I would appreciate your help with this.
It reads 9,12
